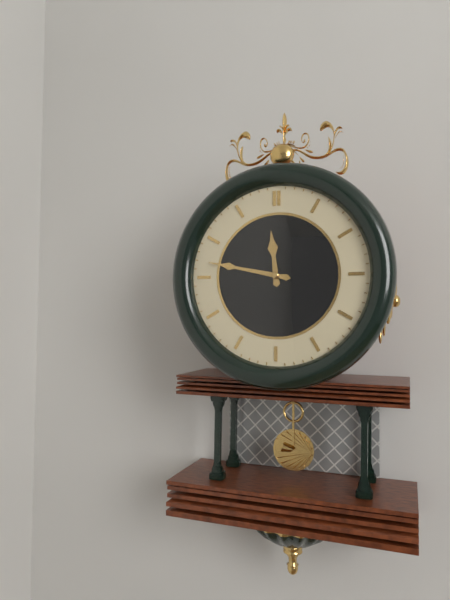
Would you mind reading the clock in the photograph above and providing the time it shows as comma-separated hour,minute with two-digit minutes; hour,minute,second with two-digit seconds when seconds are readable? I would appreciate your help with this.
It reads 11,47
